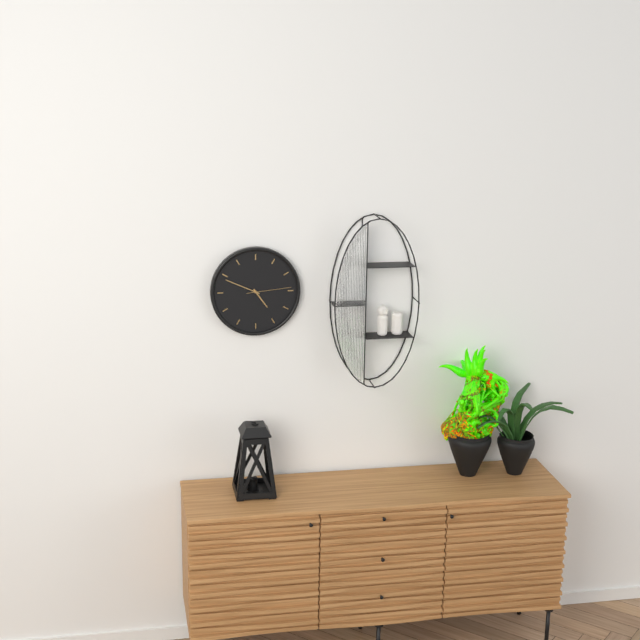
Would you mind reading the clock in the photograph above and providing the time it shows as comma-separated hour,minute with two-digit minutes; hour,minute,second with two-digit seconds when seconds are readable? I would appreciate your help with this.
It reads 4,49
